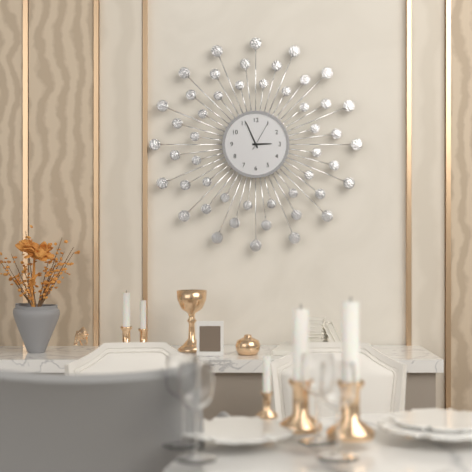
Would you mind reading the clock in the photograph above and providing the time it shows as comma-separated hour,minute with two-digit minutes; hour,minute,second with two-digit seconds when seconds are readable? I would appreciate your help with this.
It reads 2,56
